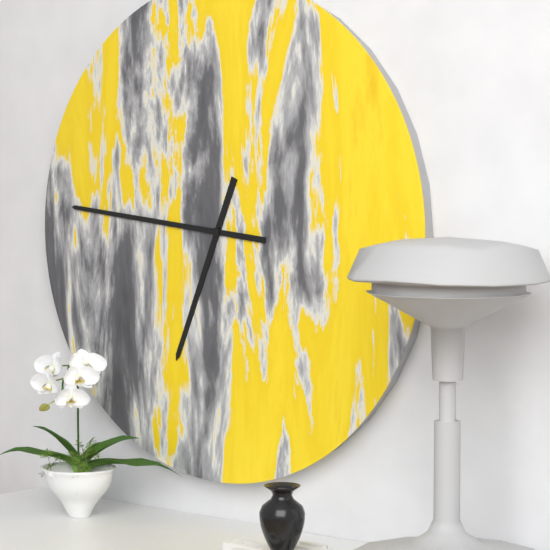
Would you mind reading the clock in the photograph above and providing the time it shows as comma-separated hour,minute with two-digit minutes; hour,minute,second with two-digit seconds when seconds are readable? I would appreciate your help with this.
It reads 6,46
